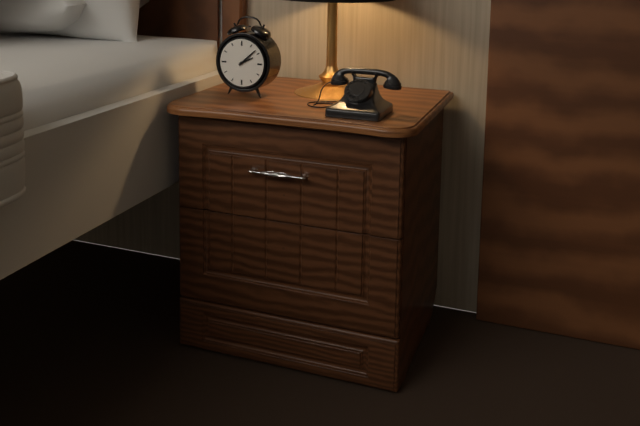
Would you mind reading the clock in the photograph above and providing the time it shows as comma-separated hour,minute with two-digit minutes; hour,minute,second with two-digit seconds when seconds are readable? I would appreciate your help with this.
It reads 2,08
